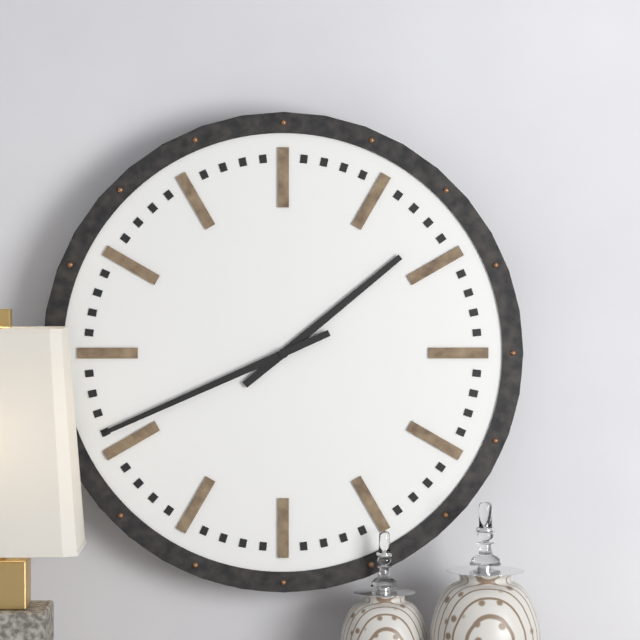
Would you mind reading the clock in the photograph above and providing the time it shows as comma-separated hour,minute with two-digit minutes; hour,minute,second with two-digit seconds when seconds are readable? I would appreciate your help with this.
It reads 1,41
